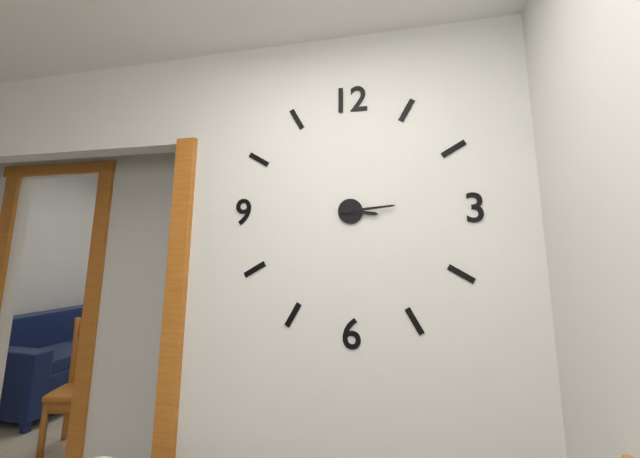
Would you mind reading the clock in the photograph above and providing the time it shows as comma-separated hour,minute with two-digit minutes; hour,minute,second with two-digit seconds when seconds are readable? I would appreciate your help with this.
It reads 3,14
